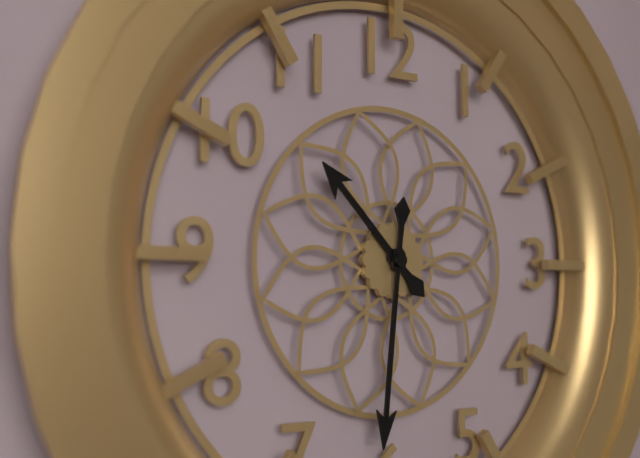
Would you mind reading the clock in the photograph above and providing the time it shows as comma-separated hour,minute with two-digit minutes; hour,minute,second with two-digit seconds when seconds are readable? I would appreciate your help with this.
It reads 10,31
